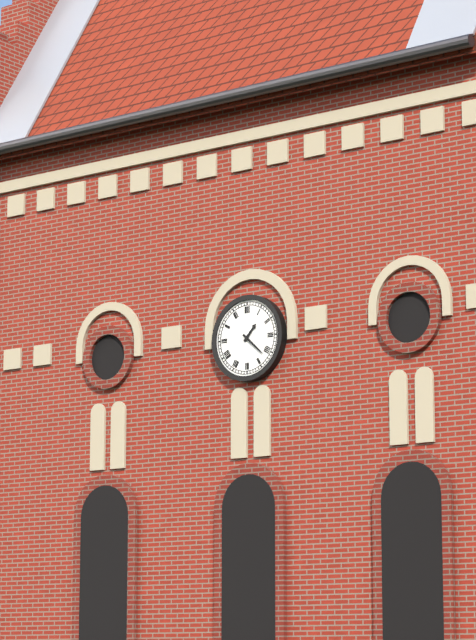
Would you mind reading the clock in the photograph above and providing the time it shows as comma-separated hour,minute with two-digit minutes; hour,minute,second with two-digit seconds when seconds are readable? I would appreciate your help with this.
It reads 1,22
